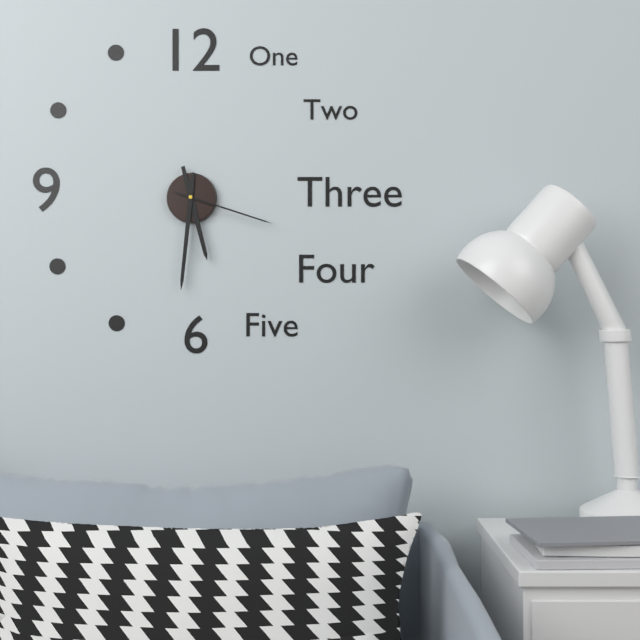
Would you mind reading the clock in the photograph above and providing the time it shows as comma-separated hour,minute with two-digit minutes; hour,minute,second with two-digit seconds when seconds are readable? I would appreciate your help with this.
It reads 5,31,18
